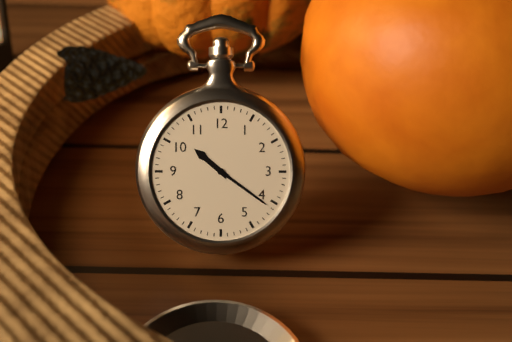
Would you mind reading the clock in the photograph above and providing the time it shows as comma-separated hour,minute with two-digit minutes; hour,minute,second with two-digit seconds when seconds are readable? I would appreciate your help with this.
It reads 10,21
